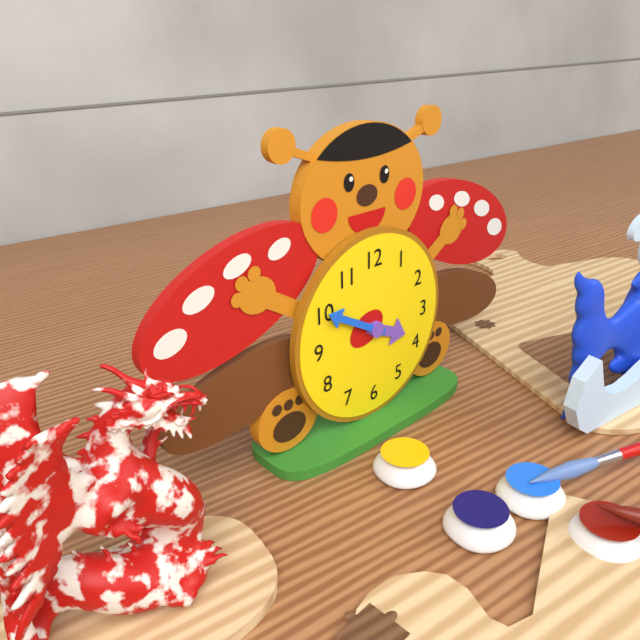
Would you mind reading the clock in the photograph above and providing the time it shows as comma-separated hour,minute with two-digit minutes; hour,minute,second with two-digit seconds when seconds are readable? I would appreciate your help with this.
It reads 3,50
